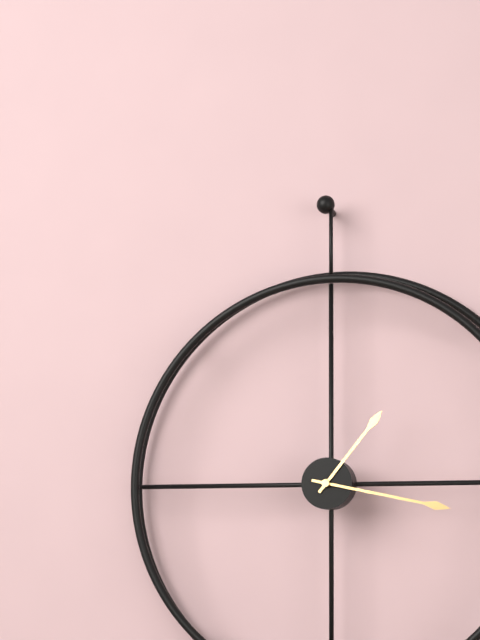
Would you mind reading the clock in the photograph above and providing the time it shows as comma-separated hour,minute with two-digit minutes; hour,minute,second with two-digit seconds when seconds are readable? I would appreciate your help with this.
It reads 1,17
